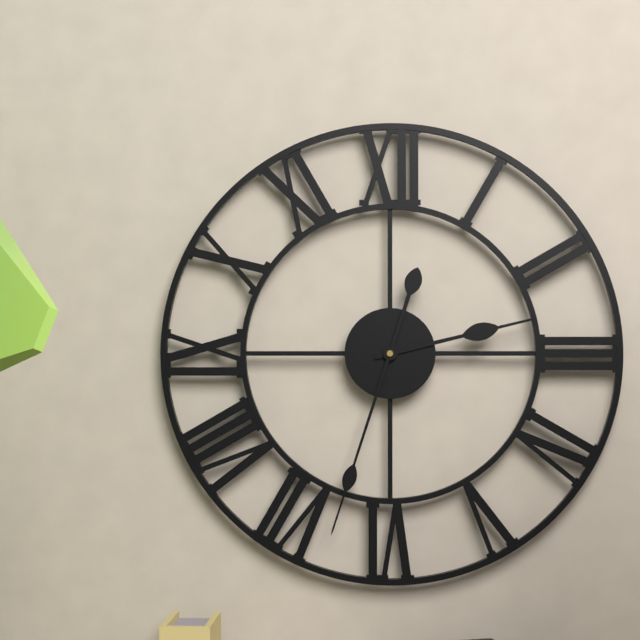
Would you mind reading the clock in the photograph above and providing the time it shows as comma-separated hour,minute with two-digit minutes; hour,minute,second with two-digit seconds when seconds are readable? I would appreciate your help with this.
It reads 2,33
